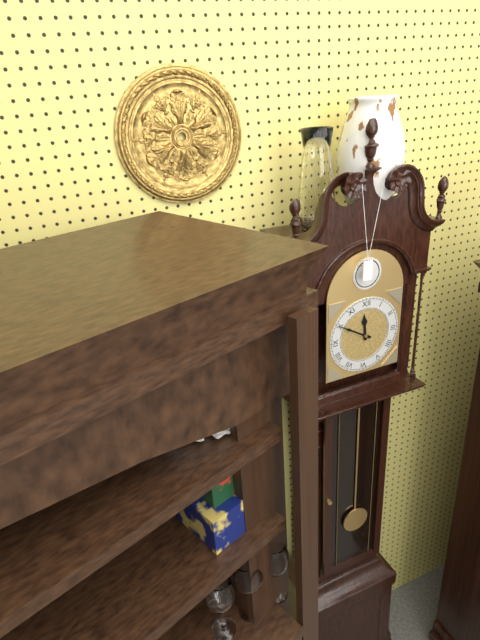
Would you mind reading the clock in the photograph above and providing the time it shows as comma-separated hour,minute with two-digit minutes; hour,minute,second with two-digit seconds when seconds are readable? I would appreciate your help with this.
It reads 11,50
